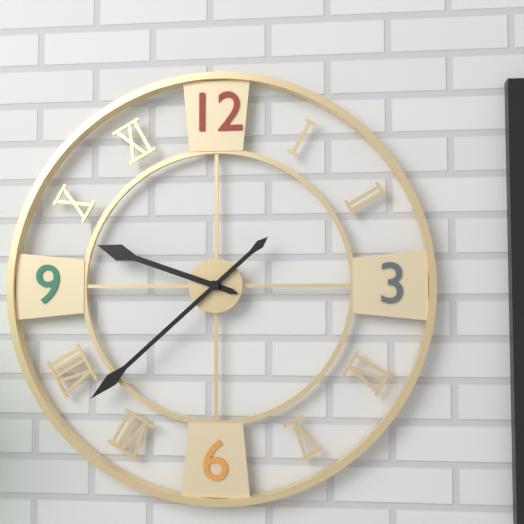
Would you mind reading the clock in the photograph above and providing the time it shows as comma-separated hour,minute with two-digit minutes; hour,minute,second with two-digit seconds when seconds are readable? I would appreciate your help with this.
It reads 9,38
